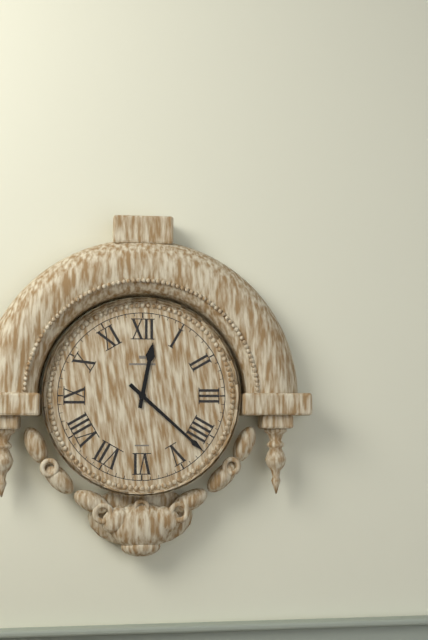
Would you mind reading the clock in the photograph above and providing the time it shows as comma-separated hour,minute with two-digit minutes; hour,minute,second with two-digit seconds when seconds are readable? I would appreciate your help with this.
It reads 12,22
